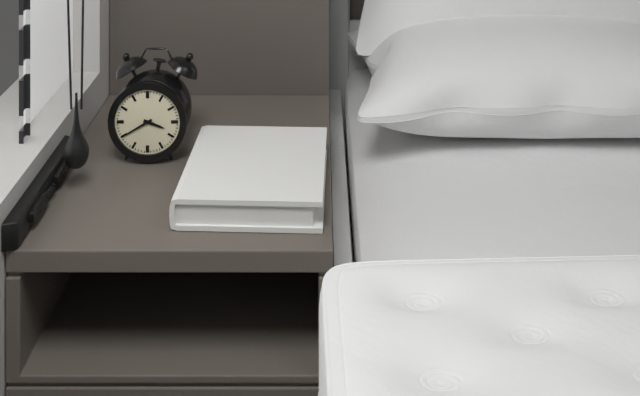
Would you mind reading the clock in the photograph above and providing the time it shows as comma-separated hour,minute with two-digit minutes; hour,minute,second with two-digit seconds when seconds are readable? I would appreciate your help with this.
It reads 3,40
